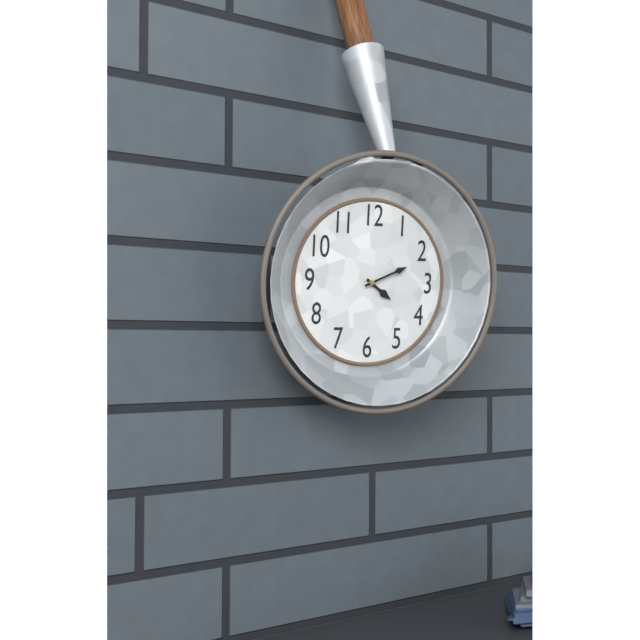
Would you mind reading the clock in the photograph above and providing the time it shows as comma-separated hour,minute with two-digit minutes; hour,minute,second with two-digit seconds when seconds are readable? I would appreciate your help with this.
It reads 4,11
